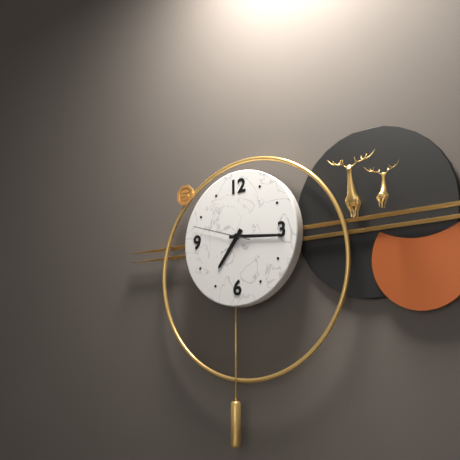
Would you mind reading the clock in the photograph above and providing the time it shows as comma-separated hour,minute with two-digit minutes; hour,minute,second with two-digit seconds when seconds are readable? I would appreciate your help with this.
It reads 7,16,48
